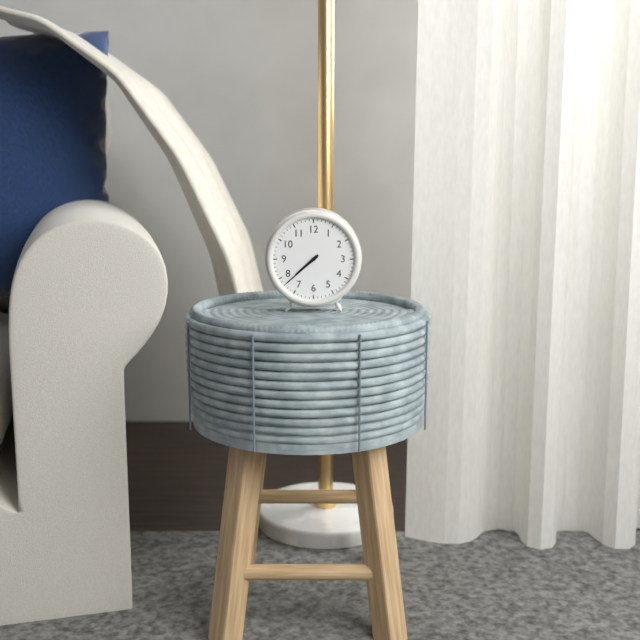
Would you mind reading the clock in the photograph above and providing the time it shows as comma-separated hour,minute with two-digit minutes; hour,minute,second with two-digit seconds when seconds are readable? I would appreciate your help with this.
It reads 7,38
